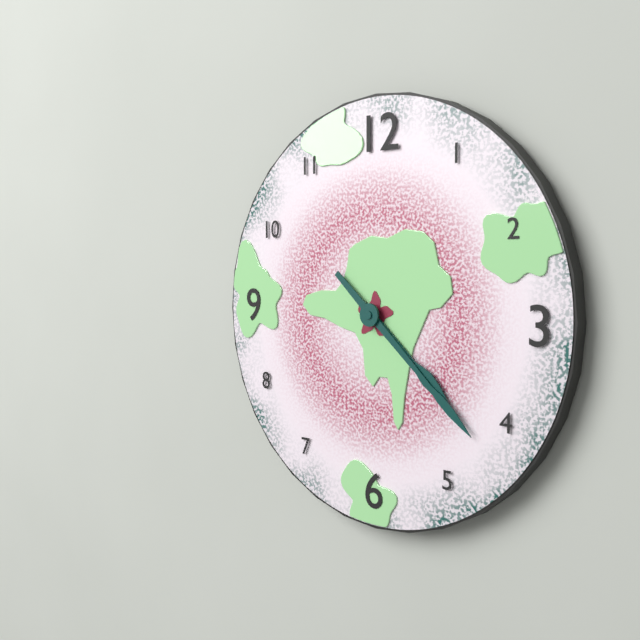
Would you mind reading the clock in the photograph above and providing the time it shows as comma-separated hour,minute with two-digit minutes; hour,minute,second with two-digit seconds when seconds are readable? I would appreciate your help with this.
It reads 4,22
